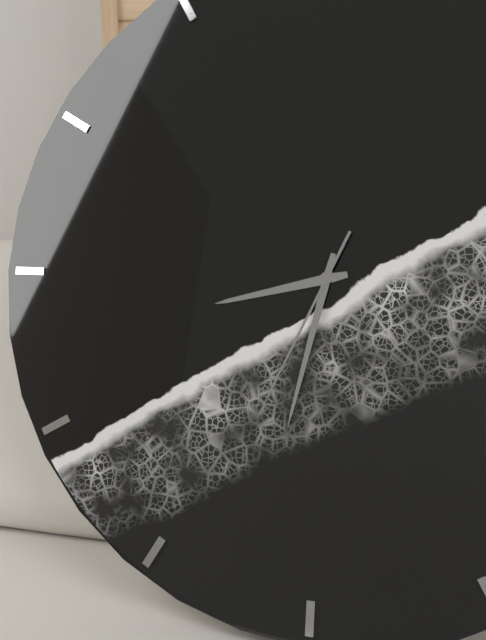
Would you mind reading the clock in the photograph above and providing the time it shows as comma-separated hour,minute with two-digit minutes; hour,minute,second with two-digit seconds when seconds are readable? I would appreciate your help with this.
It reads 8,32,34
